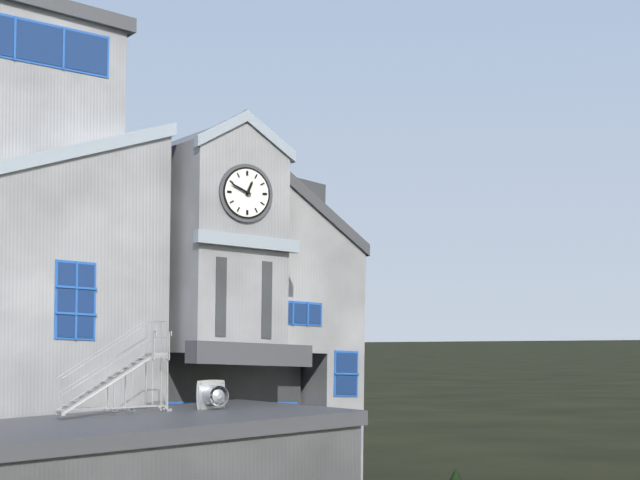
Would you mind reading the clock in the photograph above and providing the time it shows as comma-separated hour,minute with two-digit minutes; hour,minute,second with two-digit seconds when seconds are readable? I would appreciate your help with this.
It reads 12,49
